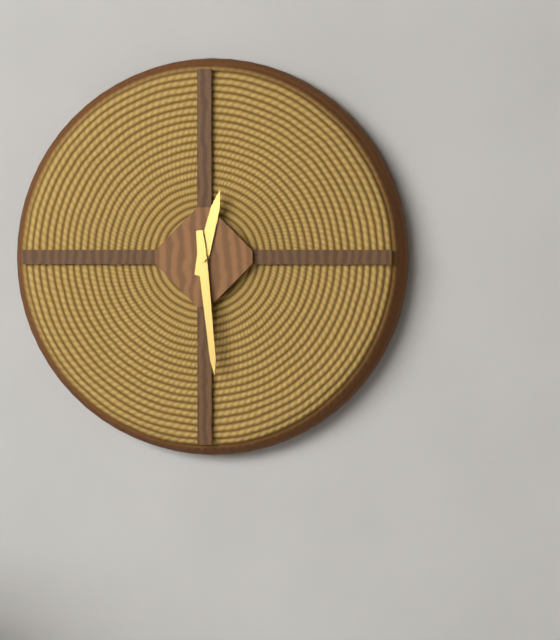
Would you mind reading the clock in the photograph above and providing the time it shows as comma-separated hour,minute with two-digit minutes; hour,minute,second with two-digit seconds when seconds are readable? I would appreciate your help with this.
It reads 12,29
